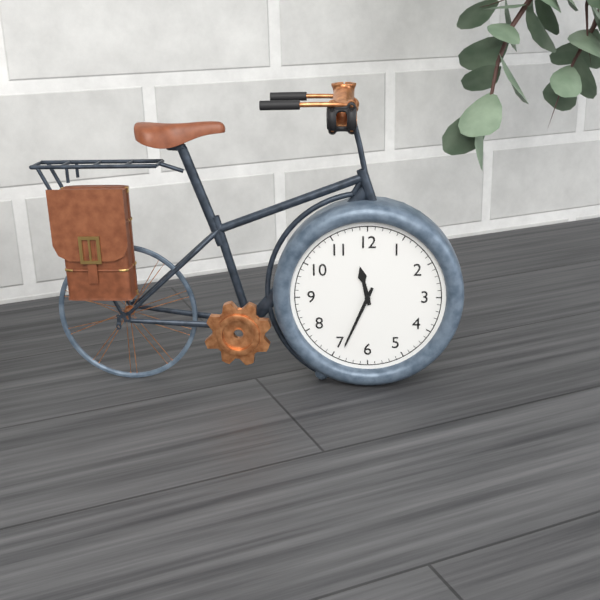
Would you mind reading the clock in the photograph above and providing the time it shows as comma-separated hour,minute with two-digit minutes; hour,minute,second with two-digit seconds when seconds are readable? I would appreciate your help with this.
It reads 11,34
